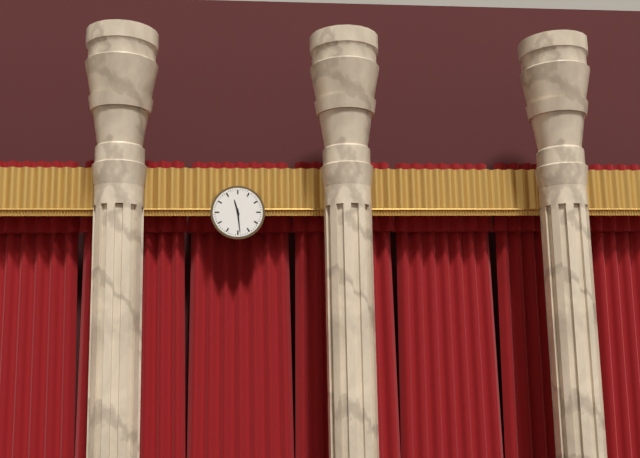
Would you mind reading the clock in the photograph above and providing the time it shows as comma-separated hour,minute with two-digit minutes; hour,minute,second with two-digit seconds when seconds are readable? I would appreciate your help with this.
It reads 11,29
